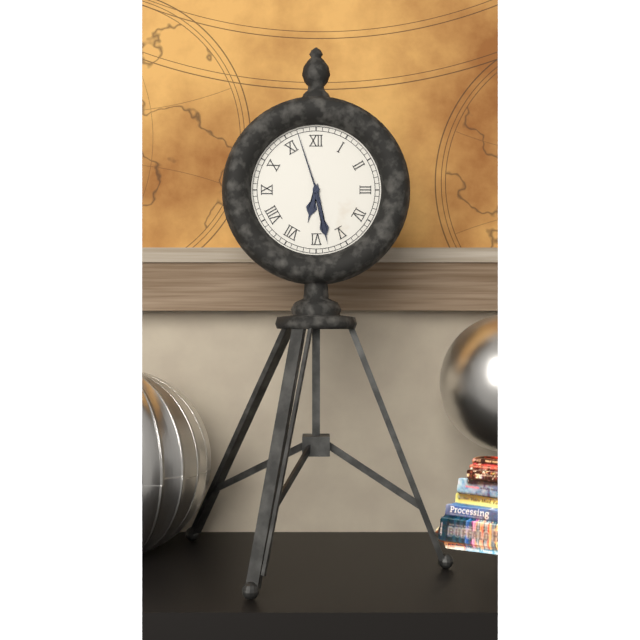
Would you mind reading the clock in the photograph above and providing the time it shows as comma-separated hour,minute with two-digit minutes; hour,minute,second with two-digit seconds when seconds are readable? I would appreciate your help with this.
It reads 6,28,57
